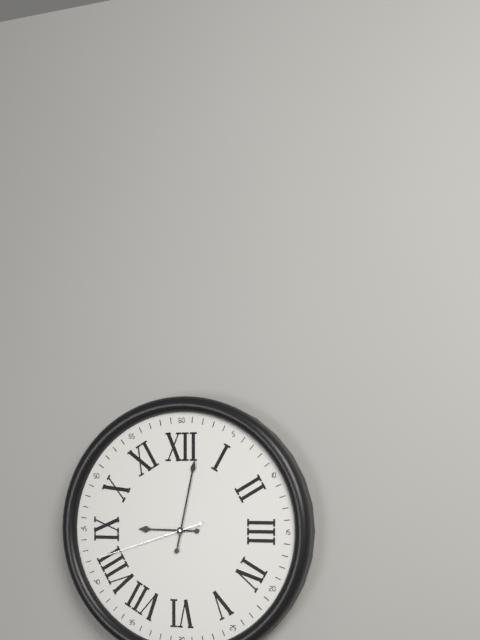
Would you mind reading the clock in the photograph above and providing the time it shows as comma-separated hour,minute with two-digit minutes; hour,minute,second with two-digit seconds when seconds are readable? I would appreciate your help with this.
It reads 9,02,42
